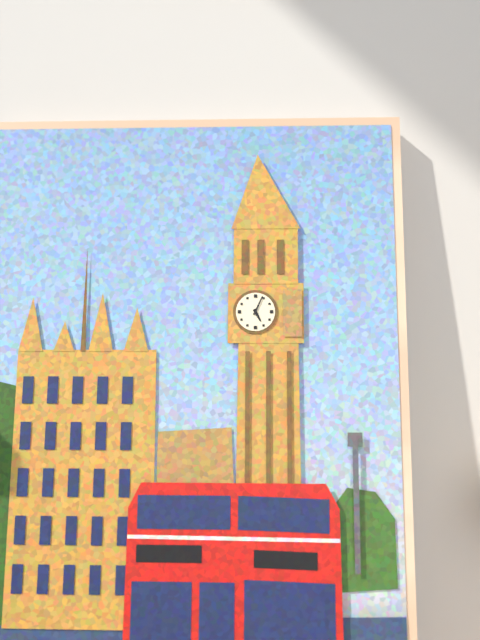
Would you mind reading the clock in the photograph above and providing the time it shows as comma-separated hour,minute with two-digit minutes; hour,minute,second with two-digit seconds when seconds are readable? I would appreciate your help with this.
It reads 5,04
